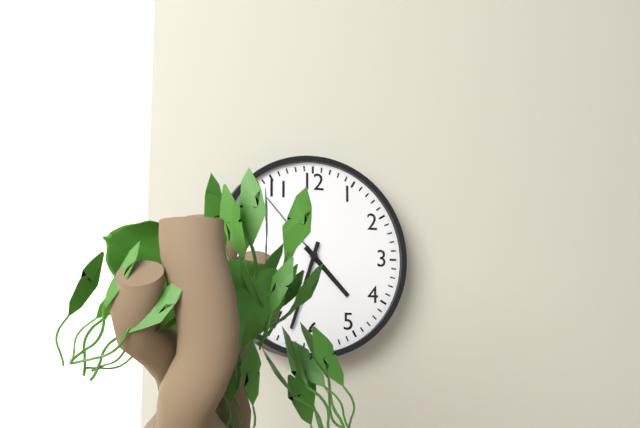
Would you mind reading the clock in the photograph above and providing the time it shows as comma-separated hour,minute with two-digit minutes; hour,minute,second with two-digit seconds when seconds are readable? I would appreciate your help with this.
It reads 4,33,53
